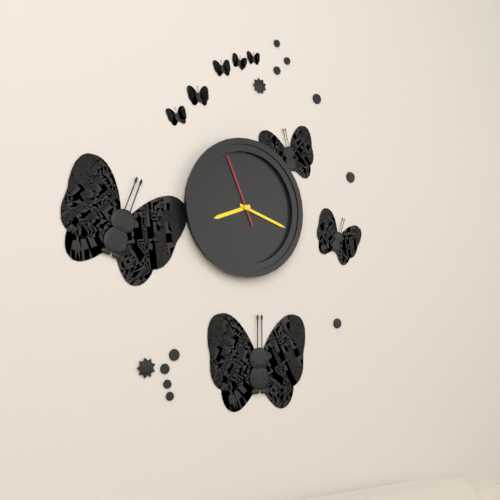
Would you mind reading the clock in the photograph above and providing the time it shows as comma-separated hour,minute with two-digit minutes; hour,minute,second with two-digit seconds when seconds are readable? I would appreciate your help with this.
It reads 8,18,56
